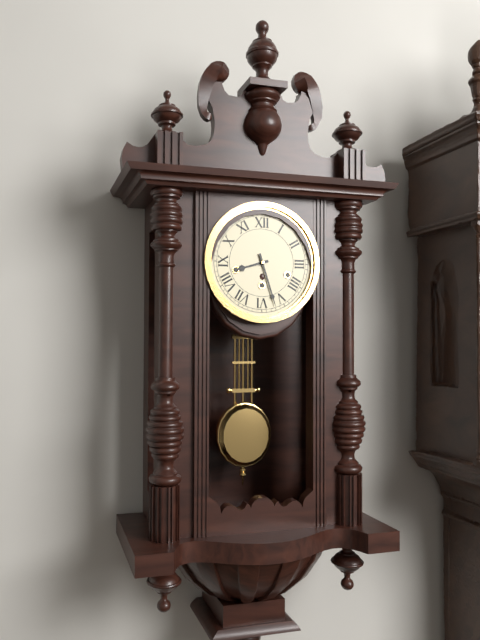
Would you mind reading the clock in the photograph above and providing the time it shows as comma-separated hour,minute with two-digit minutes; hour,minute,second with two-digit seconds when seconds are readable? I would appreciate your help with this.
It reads 8,27
